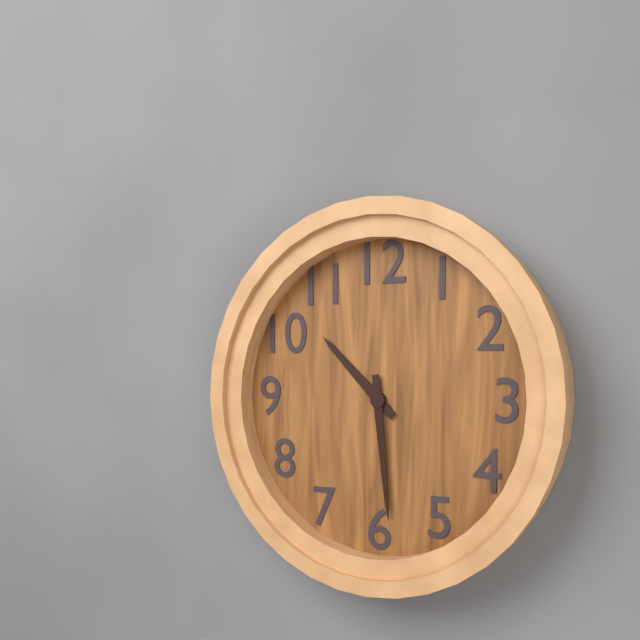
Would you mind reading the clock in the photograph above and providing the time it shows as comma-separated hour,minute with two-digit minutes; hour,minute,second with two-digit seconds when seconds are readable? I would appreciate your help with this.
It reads 10,29
